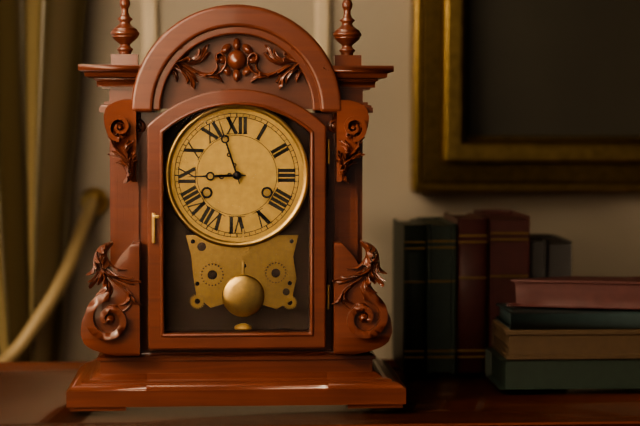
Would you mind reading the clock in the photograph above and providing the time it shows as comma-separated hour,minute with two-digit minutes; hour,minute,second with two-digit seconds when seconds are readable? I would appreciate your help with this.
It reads 8,57
